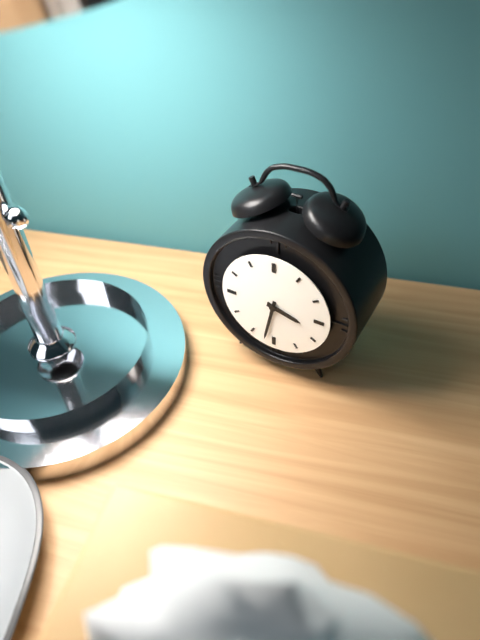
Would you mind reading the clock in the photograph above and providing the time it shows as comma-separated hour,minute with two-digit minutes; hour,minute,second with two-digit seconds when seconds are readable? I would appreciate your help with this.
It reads 3,32
